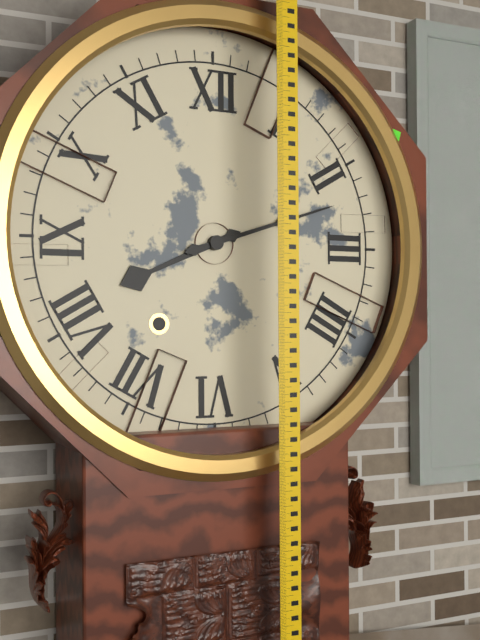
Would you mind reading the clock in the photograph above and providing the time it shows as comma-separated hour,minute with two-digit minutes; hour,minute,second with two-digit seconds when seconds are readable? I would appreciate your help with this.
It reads 8,12
